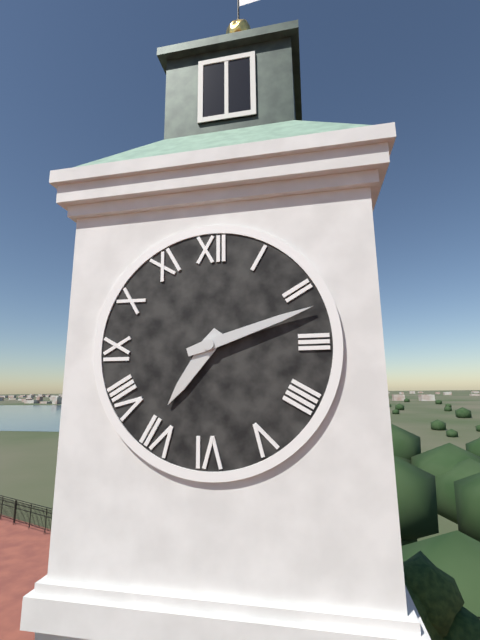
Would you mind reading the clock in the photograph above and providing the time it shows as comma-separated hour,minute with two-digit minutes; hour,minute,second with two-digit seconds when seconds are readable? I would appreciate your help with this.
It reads 7,12
